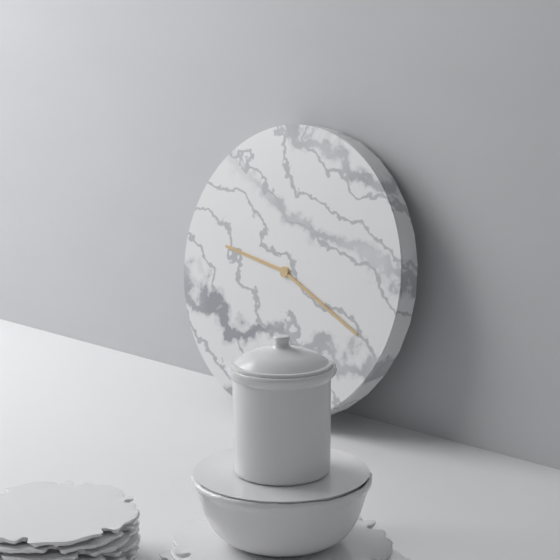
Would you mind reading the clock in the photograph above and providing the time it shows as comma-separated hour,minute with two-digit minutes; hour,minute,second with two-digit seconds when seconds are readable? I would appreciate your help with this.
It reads 9,19
